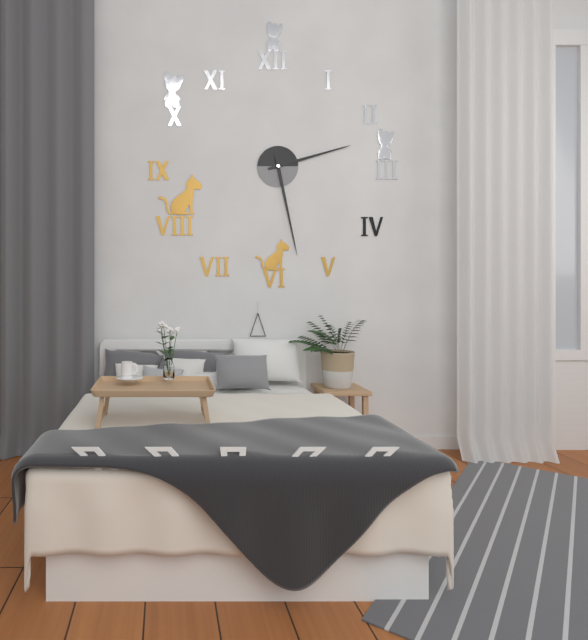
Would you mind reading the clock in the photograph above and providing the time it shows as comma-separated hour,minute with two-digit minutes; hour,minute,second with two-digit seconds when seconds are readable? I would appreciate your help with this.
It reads 2,28
